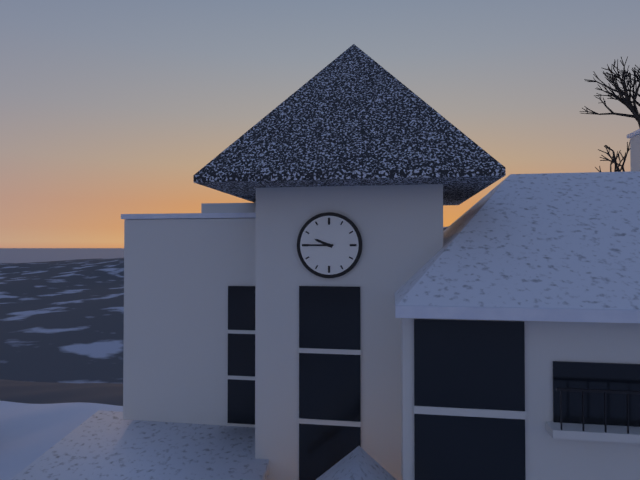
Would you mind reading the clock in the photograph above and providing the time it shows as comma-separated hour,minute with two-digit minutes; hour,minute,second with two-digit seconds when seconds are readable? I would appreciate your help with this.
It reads 9,45
